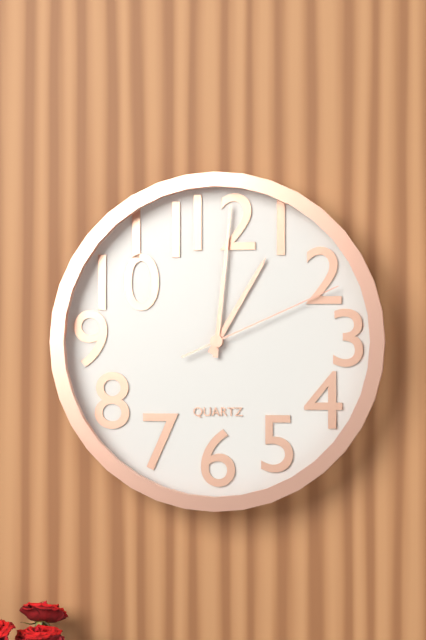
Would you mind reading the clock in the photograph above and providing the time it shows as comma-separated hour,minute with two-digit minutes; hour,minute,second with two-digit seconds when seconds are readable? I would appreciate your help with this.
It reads 1,01,11
